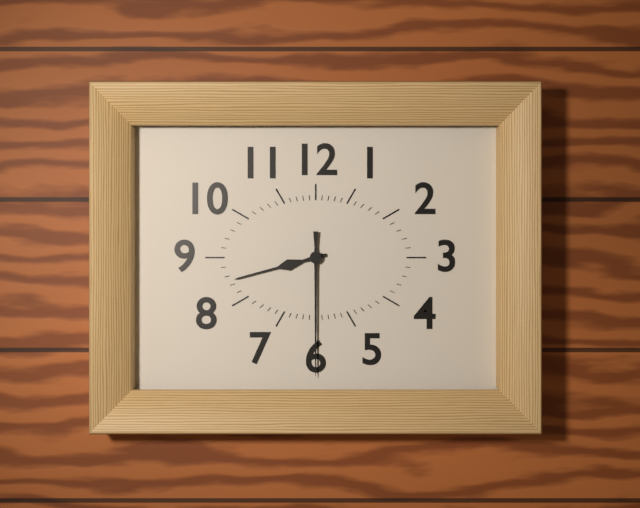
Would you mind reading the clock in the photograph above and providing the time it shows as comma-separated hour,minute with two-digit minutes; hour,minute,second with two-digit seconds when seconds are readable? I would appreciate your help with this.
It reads 8,30
